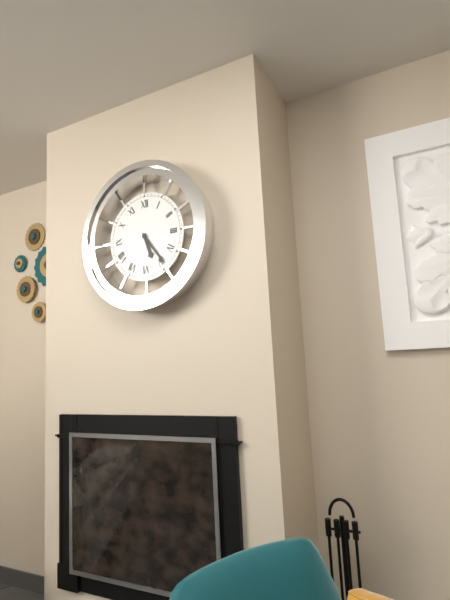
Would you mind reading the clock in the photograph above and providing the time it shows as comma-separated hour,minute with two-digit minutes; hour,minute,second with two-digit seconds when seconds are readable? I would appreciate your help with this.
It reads 5,24
